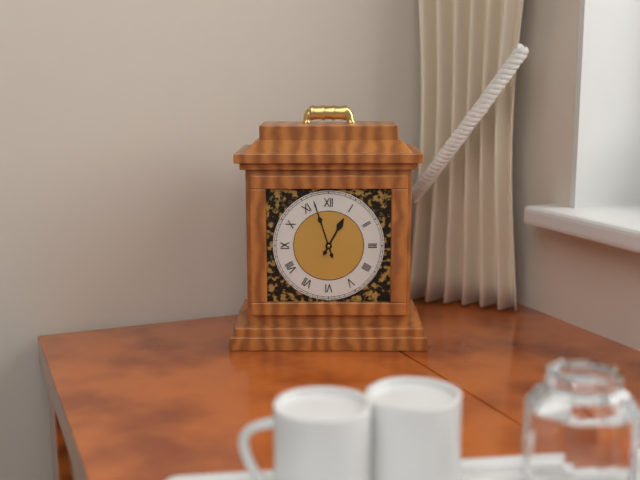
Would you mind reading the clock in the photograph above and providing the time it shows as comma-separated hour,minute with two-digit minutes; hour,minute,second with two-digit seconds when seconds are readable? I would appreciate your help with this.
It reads 12,57
